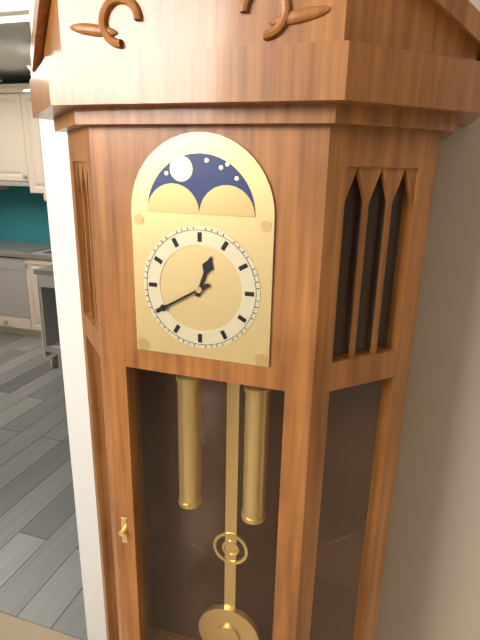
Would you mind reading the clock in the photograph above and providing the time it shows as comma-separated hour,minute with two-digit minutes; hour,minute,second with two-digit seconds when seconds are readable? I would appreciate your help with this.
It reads 12,40
